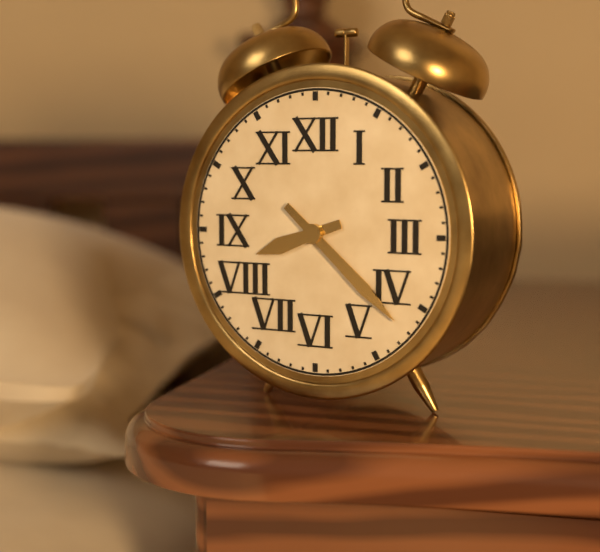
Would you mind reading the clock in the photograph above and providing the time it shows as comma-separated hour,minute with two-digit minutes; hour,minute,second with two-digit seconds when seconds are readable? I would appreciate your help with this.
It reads 8,22
